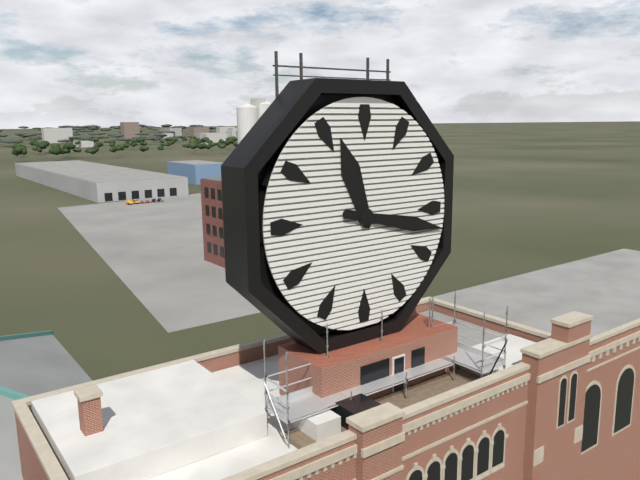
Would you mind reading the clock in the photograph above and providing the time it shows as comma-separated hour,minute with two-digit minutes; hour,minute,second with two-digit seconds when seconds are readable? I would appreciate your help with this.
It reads 11,17
